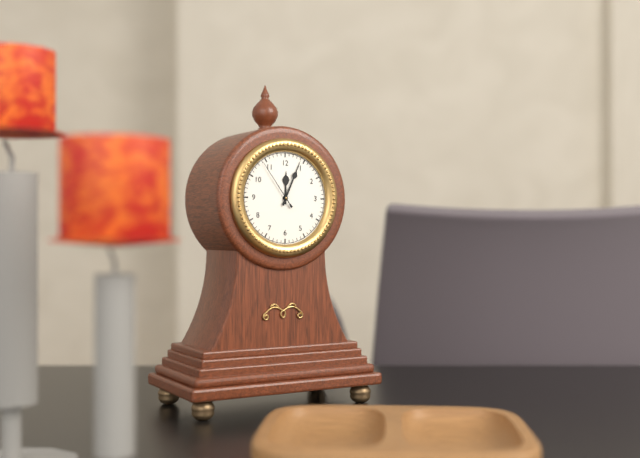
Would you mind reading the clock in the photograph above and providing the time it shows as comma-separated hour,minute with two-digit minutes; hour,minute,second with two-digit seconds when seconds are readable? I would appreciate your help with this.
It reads 12,04,54
